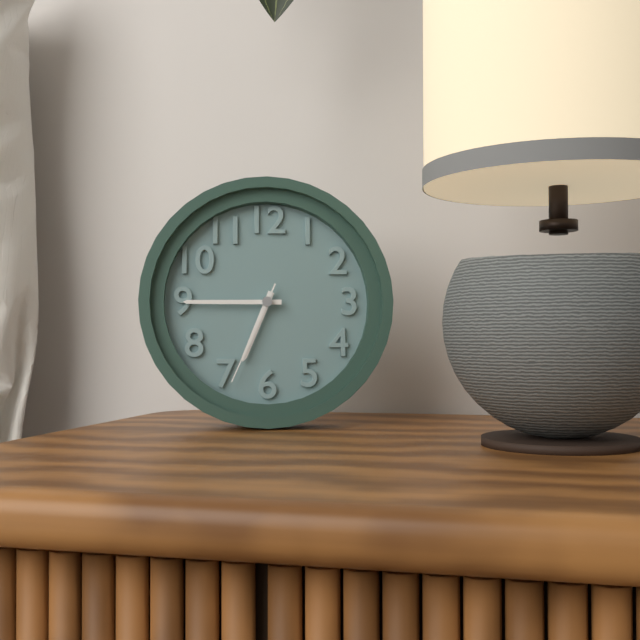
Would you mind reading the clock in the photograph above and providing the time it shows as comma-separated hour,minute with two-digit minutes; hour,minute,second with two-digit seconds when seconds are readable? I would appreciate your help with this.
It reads 6,45,34
